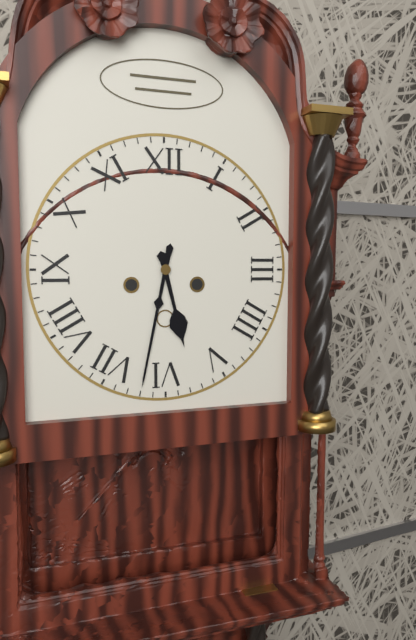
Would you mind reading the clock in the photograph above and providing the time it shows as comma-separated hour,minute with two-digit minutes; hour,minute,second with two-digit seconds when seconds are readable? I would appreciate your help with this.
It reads 5,32
